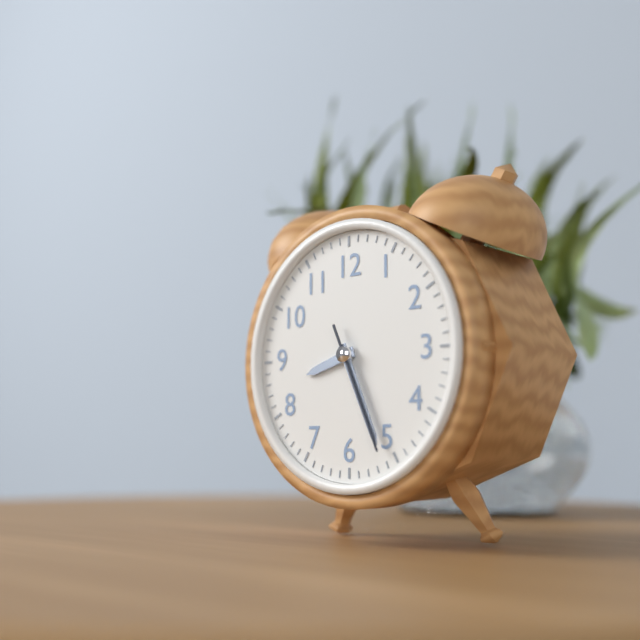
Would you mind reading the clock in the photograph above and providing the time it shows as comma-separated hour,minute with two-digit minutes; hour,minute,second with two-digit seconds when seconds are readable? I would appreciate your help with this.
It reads 8,26,26
